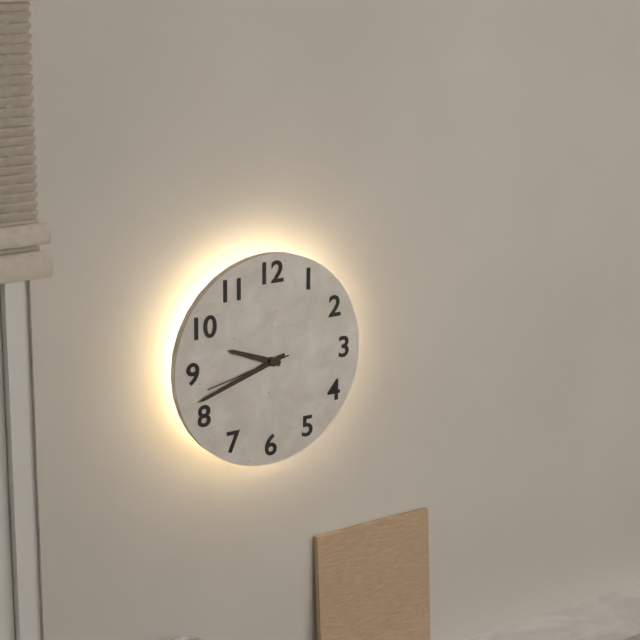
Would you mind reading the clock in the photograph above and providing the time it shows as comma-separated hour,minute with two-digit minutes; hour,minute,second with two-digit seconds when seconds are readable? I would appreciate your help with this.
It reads 9,42,43
